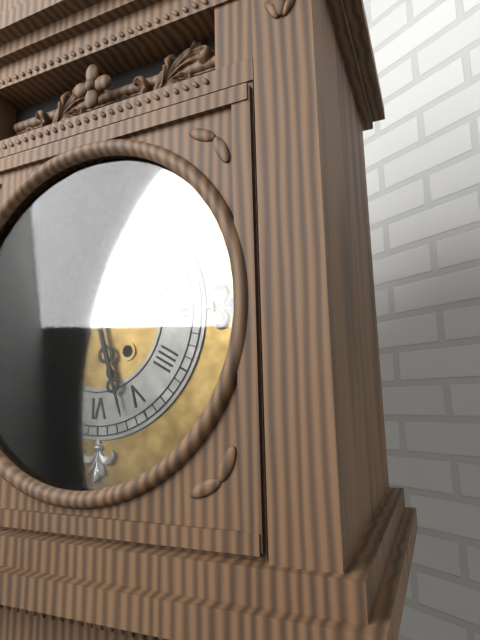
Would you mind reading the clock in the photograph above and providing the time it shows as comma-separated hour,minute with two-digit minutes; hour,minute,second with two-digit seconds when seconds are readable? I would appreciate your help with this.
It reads 5,27
